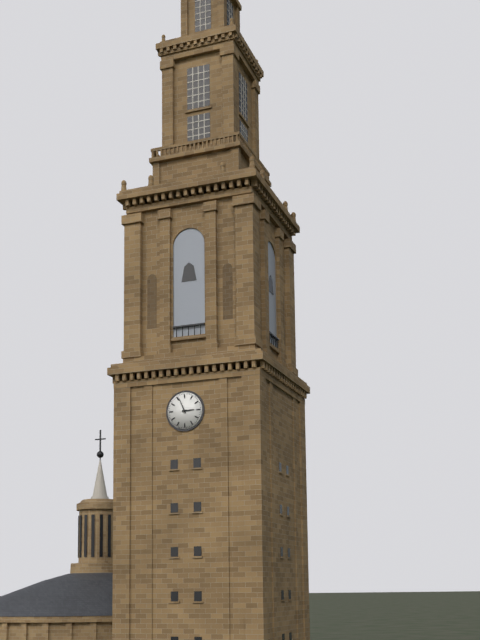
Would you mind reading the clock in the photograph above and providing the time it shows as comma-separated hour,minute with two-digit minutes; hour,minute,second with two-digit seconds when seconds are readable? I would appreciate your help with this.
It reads 2,56
